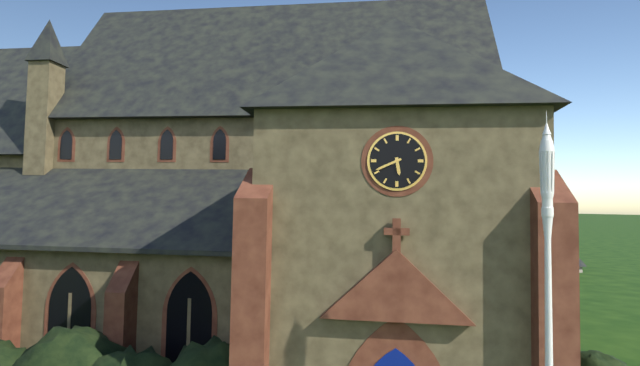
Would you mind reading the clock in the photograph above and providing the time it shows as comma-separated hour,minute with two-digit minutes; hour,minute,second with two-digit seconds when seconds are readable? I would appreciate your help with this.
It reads 5,41
